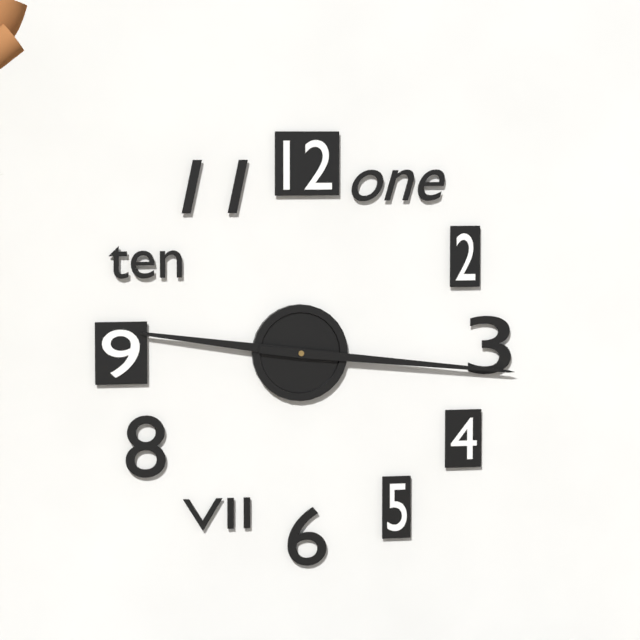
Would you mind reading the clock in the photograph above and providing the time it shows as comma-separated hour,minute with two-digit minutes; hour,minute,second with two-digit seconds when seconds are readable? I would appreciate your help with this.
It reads 9,16
